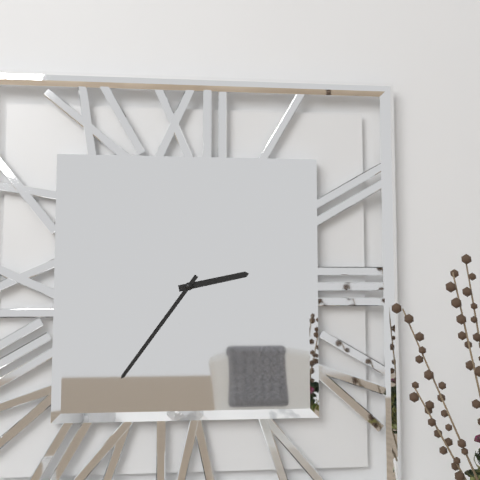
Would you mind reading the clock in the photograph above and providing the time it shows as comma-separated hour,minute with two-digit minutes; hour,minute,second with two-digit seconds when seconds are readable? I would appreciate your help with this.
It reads 2,36
